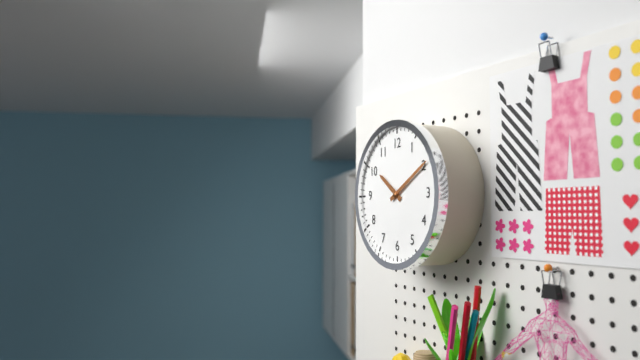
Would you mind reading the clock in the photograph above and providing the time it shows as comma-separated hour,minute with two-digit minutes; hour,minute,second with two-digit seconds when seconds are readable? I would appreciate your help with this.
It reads 10,10
